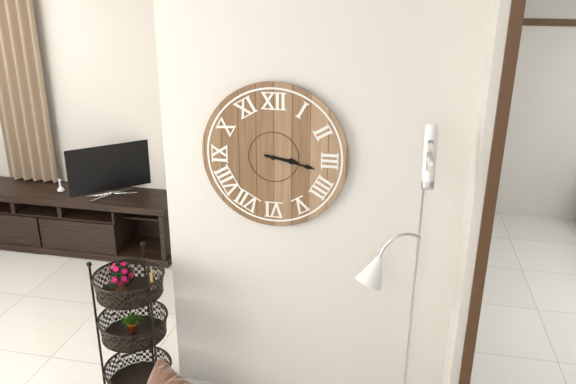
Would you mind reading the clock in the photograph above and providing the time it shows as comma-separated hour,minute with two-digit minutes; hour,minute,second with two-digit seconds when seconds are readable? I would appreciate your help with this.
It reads 3,17
